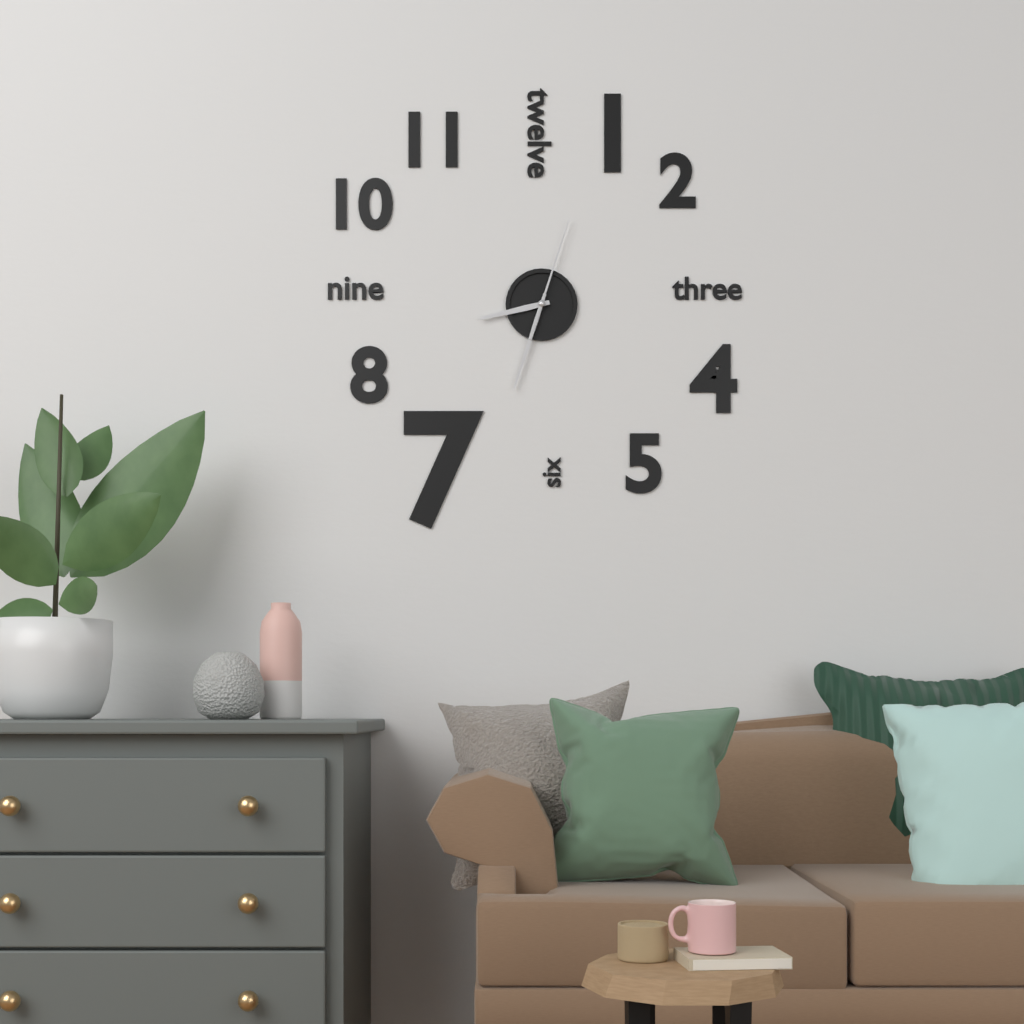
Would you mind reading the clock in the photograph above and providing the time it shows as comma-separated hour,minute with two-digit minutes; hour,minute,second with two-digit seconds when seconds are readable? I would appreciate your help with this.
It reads 8,33,03
